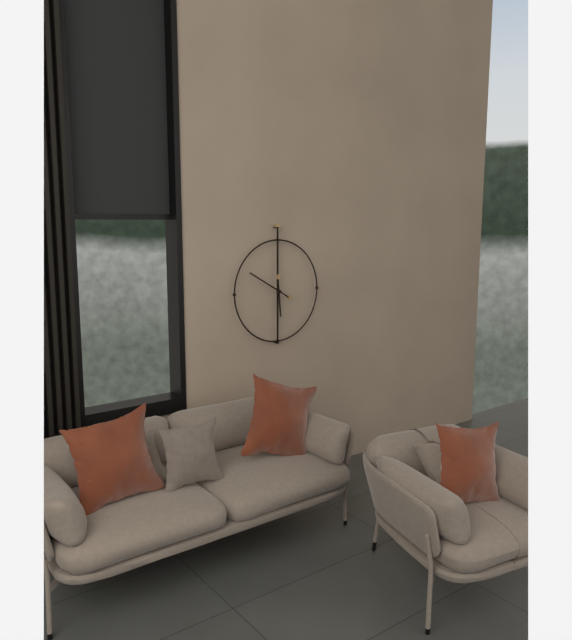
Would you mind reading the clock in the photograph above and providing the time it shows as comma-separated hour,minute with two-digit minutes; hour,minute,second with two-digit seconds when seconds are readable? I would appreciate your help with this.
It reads 5,50
